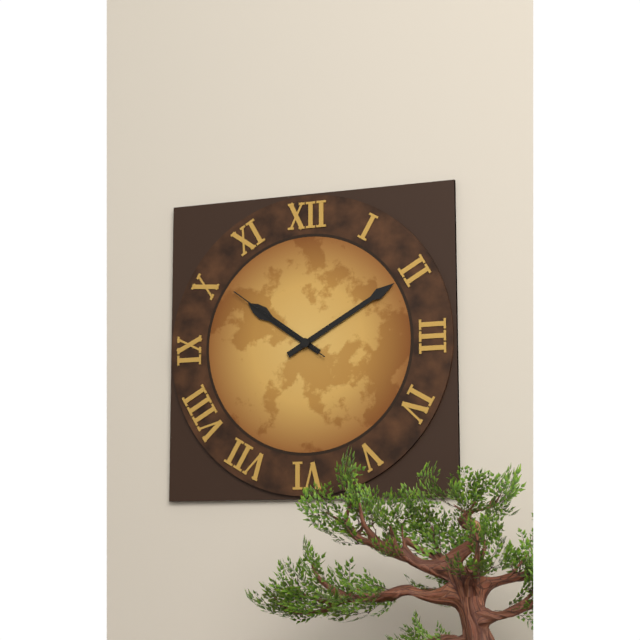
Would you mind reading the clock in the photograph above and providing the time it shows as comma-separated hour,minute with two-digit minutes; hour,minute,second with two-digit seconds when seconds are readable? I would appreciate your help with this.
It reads 10,10,51
